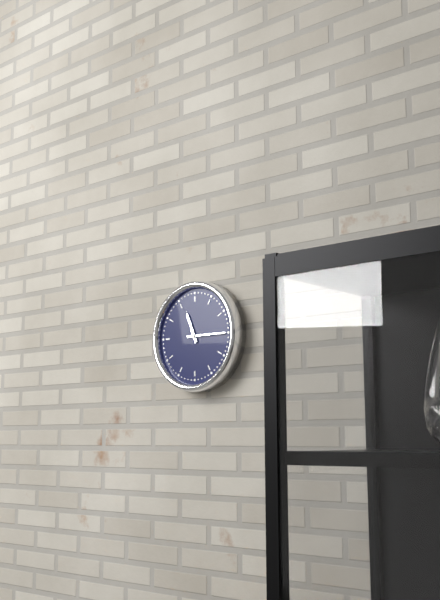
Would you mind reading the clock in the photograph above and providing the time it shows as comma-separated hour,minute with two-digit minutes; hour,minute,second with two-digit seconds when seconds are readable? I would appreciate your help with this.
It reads 11,15
